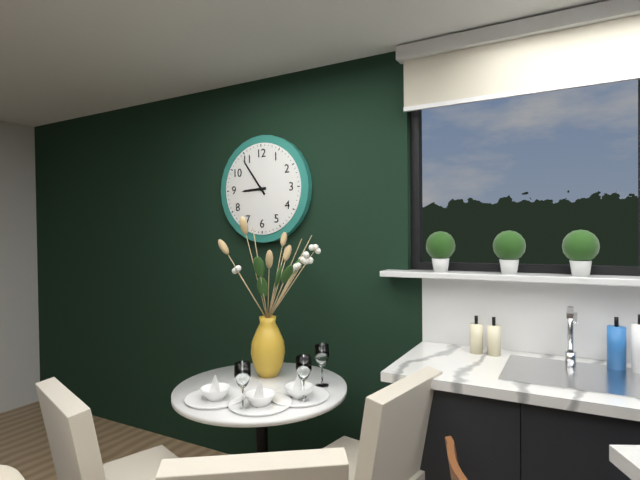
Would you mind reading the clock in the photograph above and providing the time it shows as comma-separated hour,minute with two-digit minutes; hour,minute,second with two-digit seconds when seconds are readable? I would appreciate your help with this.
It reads 8,54
